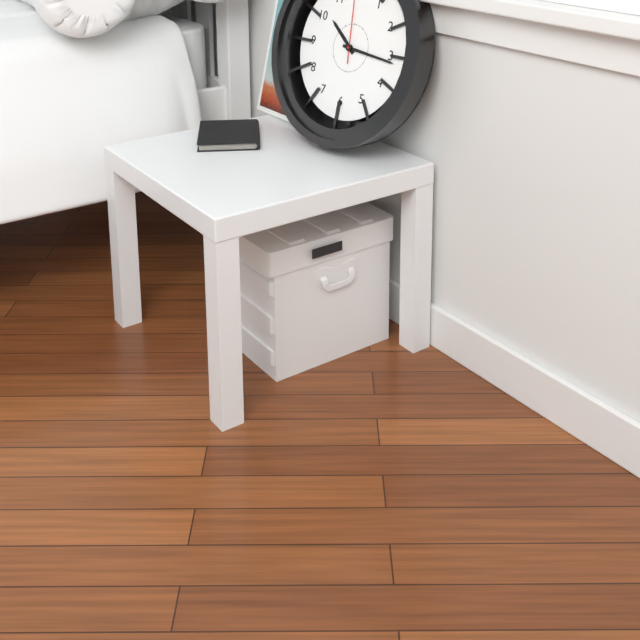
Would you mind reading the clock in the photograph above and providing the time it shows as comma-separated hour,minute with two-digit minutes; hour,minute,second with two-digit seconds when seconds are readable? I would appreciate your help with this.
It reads 10,16
